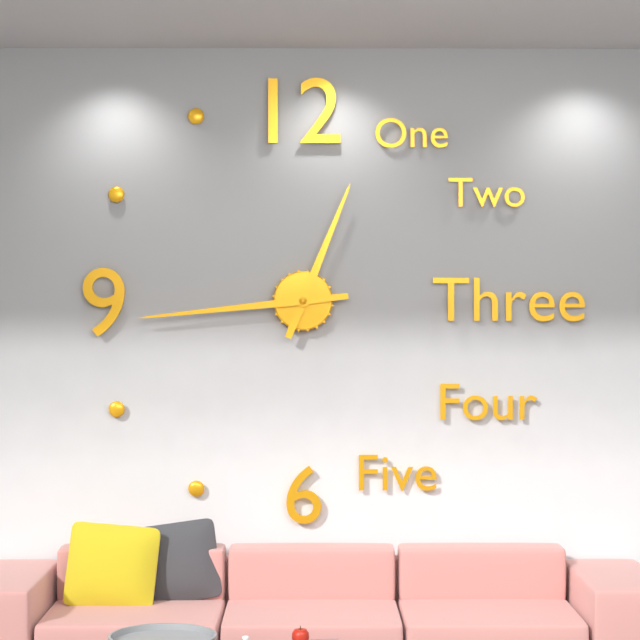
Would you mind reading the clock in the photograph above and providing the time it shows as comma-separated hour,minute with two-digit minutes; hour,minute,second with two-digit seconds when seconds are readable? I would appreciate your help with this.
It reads 12,44
